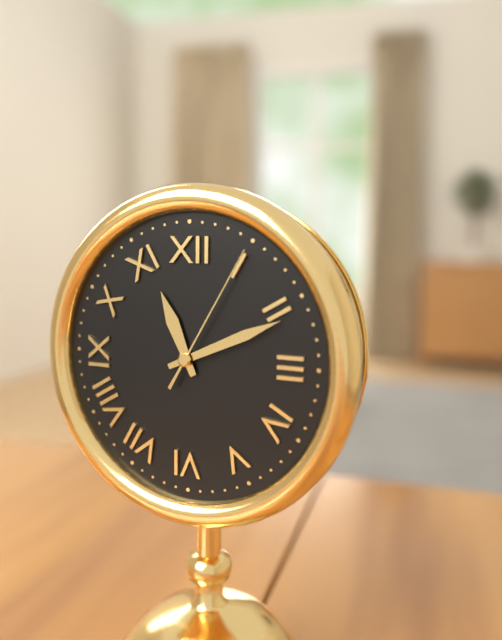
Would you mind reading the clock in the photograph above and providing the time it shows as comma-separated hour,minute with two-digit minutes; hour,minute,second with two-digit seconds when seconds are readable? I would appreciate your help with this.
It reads 11,11,05
